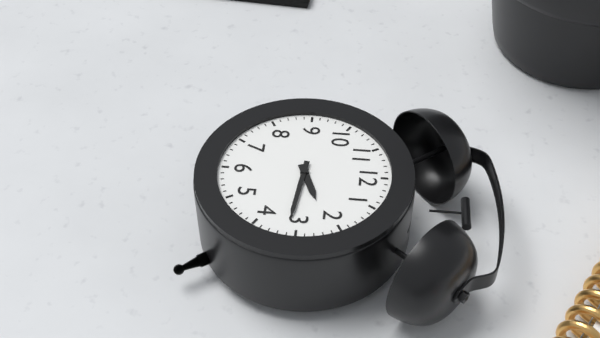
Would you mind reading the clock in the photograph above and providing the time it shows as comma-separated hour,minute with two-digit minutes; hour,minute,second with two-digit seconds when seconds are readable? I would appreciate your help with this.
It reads 2,16
